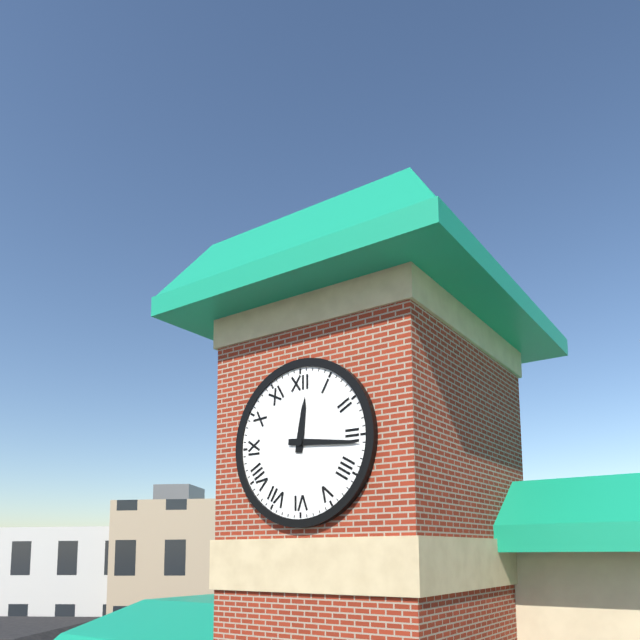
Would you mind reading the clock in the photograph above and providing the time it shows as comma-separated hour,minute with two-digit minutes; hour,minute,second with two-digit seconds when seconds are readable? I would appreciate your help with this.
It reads 12,16
